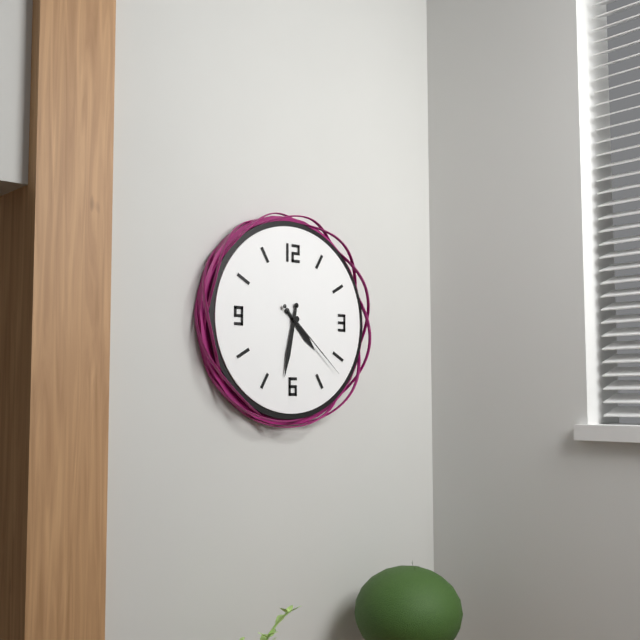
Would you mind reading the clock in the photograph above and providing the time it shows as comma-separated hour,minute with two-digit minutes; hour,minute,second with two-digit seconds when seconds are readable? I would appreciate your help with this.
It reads 4,32,22
